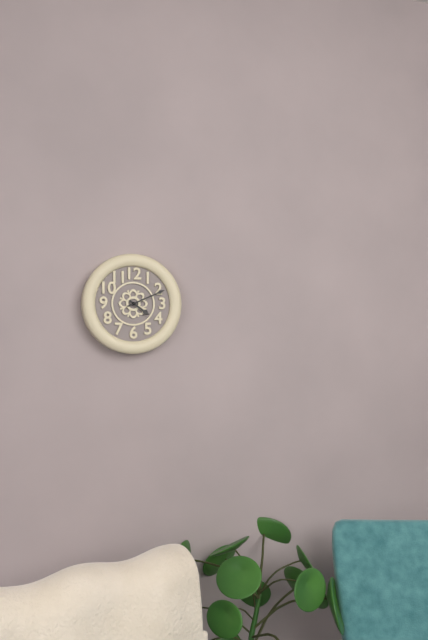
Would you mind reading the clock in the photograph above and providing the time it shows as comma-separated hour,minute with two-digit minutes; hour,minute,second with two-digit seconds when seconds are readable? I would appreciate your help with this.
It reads 4,11
